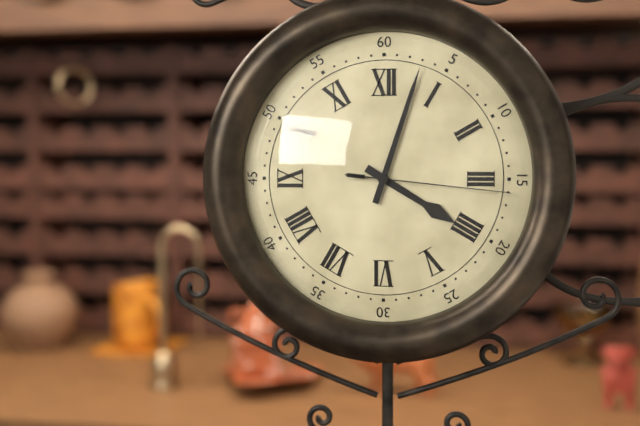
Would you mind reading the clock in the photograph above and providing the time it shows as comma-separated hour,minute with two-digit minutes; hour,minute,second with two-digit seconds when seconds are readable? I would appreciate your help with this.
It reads 4,03,16
